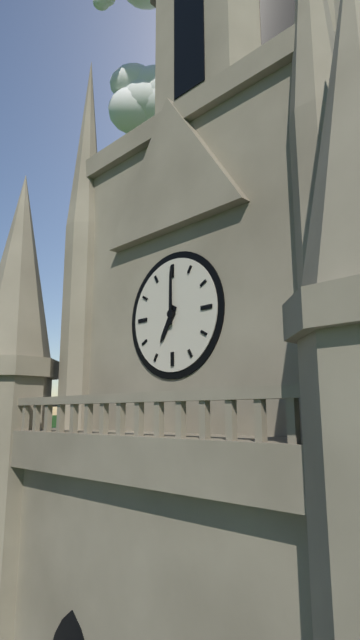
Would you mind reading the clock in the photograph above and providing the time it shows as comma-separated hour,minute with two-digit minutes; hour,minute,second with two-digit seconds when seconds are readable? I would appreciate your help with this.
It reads 7,00
